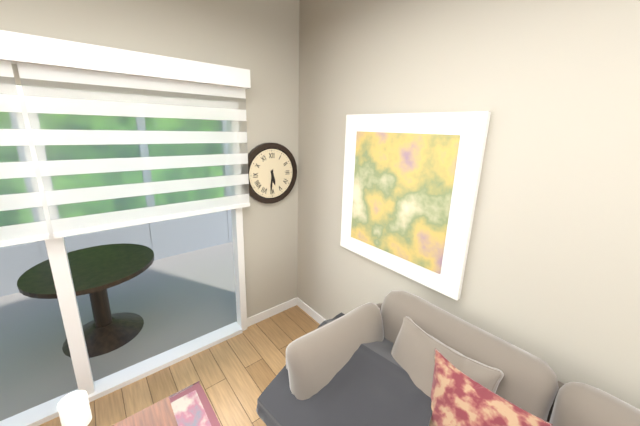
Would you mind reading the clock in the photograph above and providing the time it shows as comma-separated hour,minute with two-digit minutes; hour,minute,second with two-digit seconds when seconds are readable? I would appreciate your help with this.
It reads 5,31
